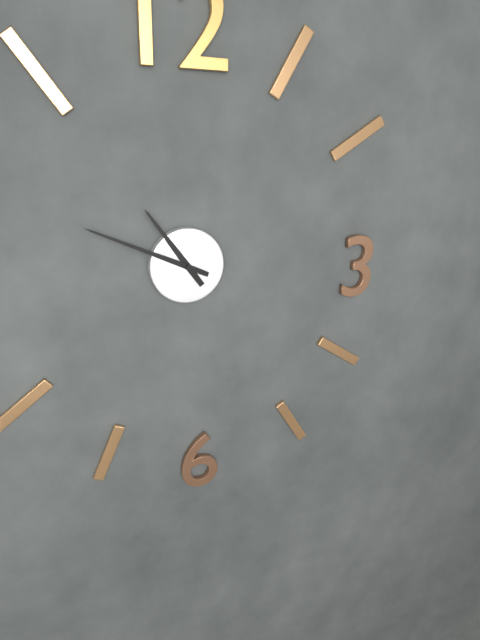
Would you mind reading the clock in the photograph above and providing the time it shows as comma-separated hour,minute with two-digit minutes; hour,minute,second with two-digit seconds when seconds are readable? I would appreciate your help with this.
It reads 10,49
